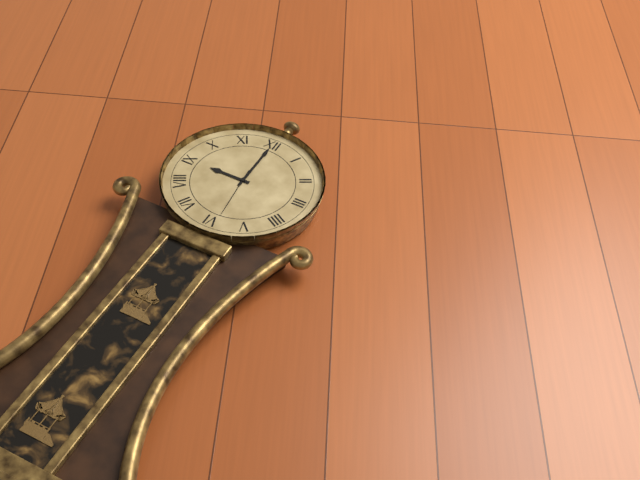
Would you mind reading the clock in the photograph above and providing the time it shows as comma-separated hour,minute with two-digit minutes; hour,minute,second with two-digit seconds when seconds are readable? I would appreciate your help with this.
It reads 9,00
